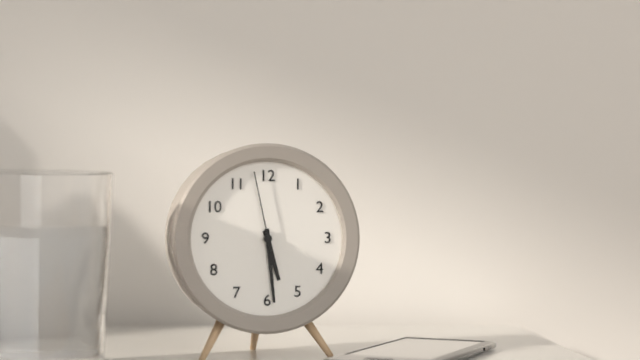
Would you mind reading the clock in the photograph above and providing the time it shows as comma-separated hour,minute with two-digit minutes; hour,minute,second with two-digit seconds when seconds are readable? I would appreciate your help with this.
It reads 5,29,58
